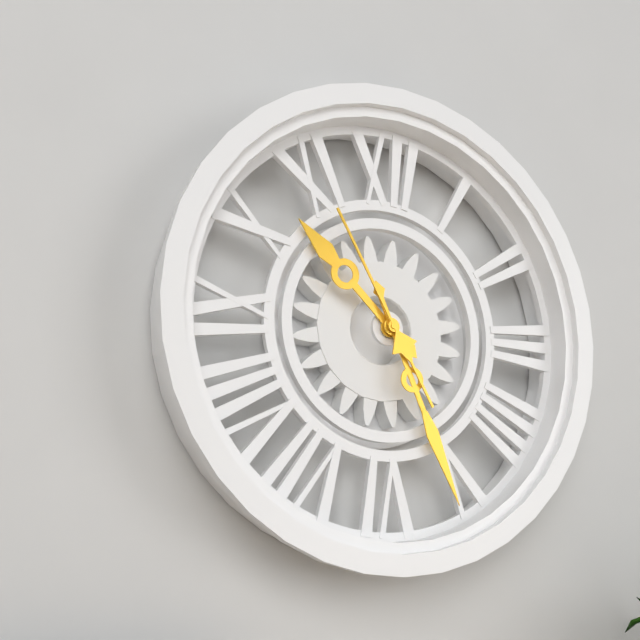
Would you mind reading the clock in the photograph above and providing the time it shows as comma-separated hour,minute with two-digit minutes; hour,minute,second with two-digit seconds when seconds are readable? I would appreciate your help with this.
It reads 10,26,55
